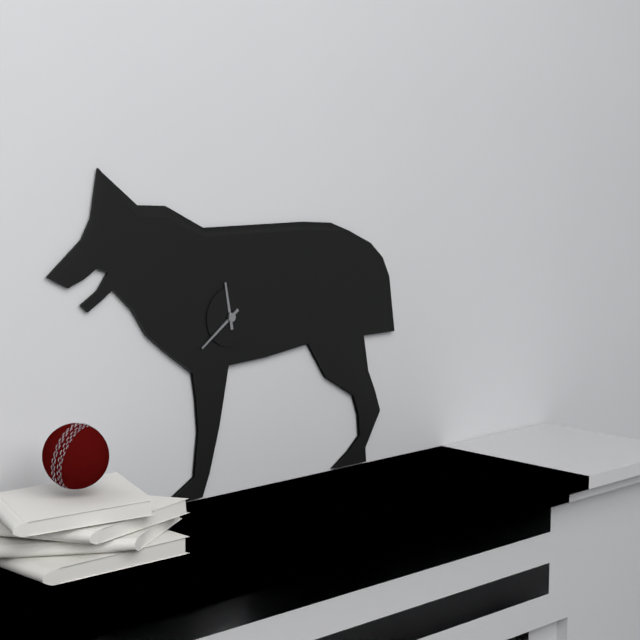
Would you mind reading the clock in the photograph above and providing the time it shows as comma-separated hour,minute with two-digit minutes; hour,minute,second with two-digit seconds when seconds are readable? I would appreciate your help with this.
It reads 11,39
